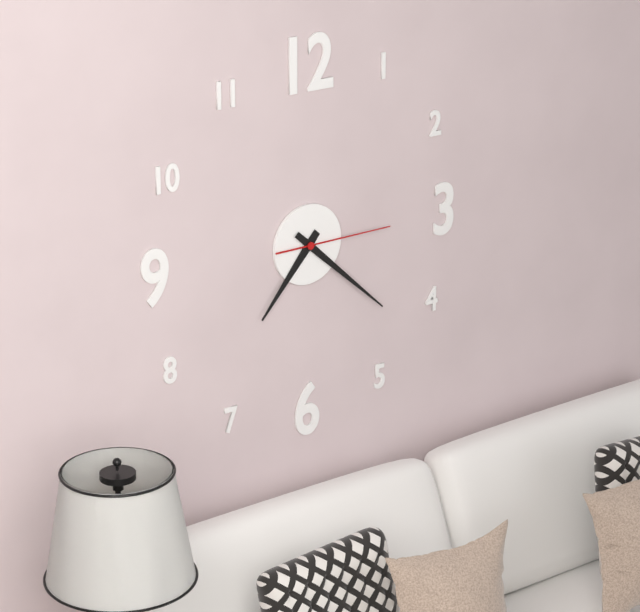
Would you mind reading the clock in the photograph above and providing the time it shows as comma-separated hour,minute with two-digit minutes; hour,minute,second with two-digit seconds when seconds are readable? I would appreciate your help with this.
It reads 7,22,15
